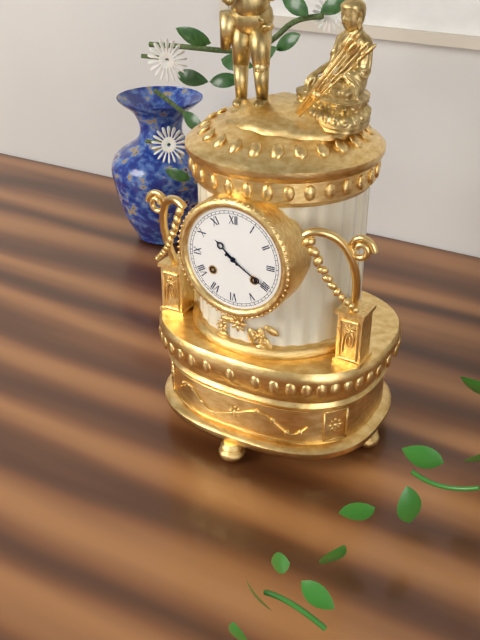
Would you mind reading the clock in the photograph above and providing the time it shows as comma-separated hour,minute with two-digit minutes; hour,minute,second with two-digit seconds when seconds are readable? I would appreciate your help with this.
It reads 10,20
